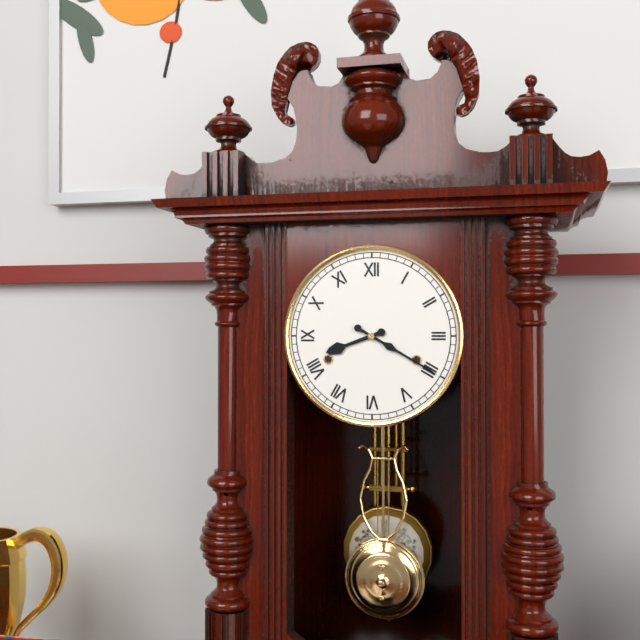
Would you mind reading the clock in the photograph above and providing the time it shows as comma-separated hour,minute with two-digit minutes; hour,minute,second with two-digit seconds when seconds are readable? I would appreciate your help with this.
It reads 8,20
